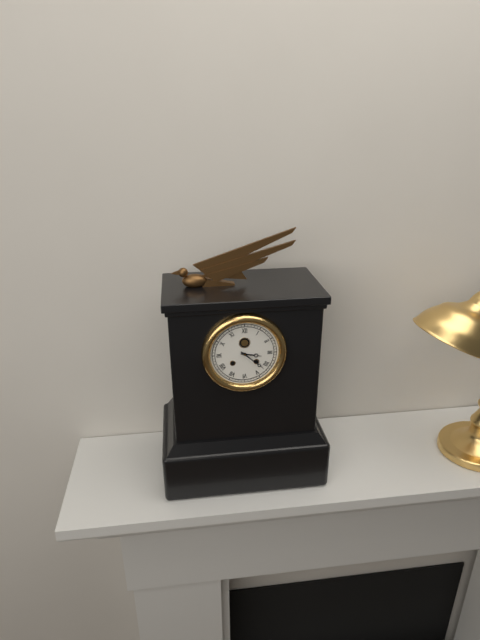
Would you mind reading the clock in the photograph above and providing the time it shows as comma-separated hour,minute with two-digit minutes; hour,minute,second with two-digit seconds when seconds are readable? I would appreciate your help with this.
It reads 3,22
